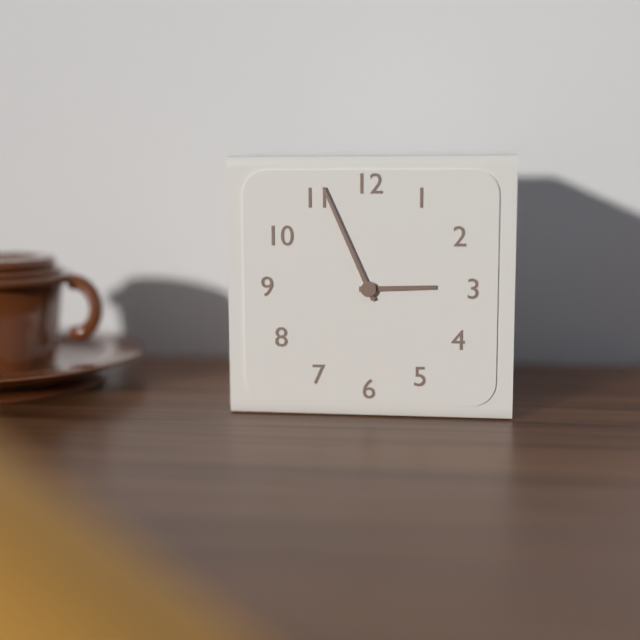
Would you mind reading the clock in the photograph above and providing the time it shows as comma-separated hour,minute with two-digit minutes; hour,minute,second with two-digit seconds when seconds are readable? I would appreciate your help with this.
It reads 2,56
